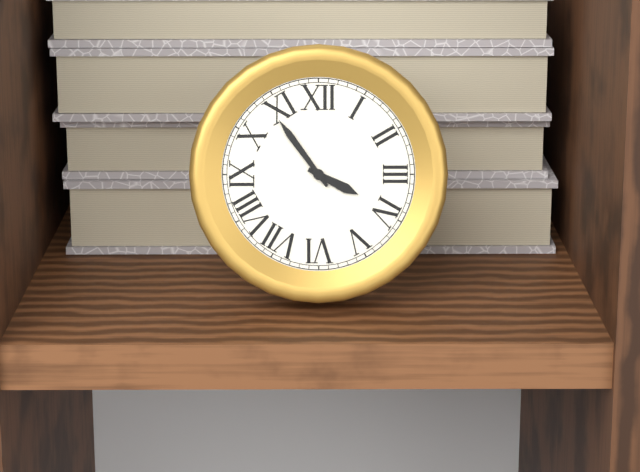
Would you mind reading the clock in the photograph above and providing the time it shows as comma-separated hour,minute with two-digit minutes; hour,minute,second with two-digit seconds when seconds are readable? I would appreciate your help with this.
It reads 3,54
